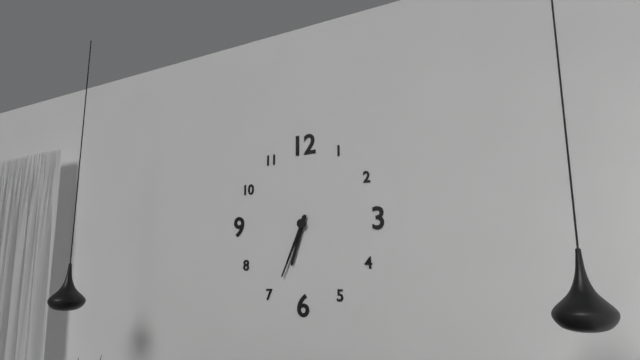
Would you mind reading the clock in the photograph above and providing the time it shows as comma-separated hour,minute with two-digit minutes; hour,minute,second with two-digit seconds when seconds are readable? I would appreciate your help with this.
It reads 6,34
